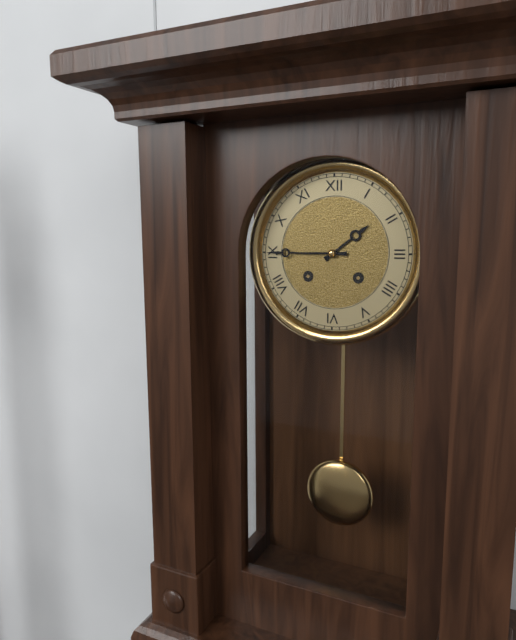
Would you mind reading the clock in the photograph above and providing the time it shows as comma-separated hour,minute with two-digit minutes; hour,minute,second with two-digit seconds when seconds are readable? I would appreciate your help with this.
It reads 1,45
